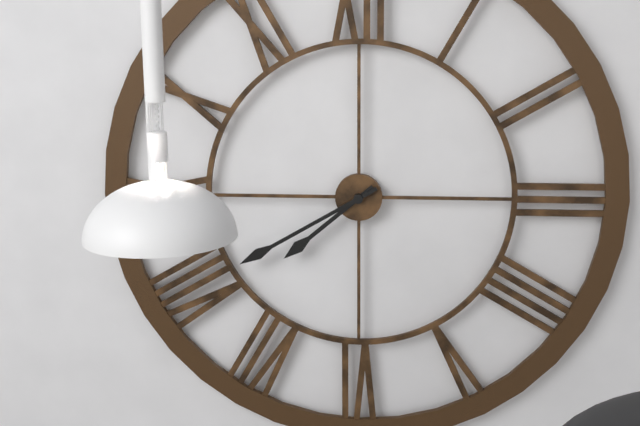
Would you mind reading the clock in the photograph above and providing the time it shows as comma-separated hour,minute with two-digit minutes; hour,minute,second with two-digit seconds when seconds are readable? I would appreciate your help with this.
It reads 7,40
